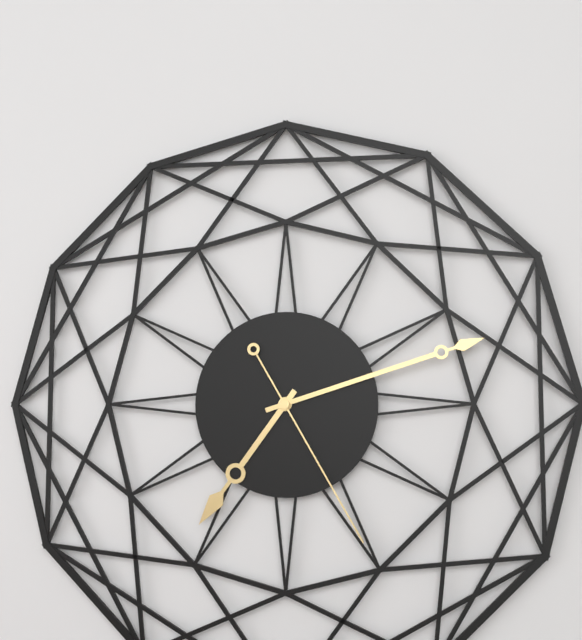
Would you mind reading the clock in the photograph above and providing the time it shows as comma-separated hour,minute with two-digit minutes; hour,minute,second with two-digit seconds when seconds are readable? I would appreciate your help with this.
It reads 7,12,25
